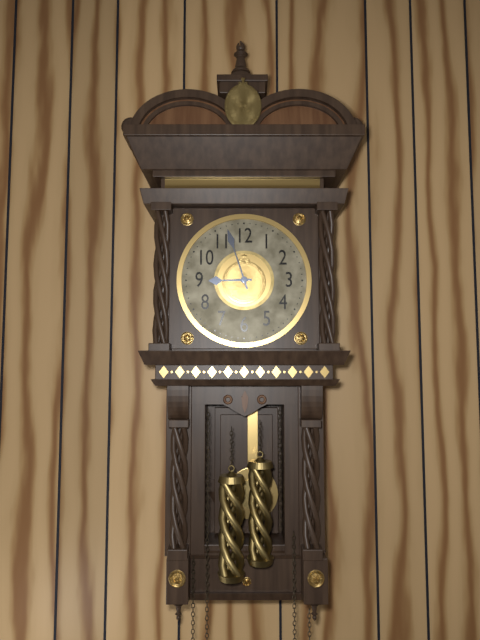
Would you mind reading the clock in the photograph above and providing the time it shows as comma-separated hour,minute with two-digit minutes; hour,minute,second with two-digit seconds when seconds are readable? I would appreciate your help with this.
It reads 8,57
